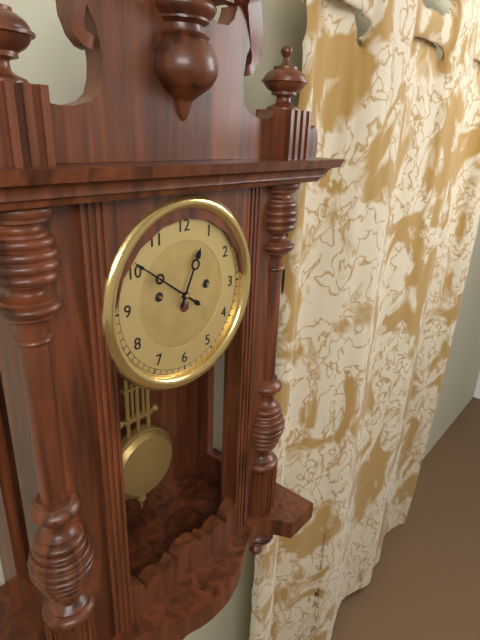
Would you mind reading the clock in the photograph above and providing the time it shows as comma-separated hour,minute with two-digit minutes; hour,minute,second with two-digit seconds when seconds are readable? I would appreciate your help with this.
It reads 12,51
